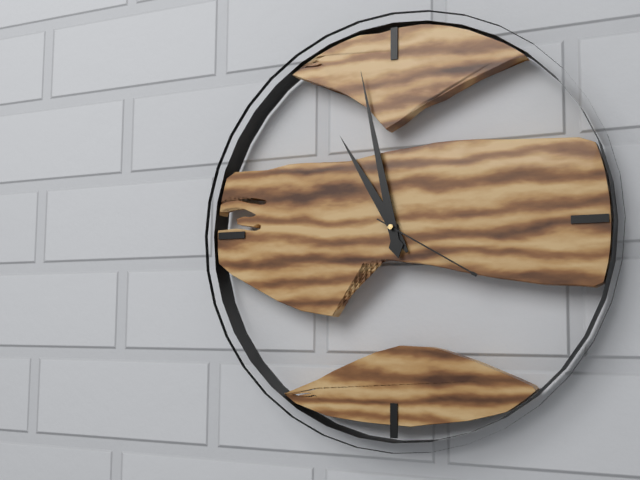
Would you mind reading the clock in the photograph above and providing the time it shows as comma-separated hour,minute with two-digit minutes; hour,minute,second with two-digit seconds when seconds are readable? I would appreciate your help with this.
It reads 10,58,20
